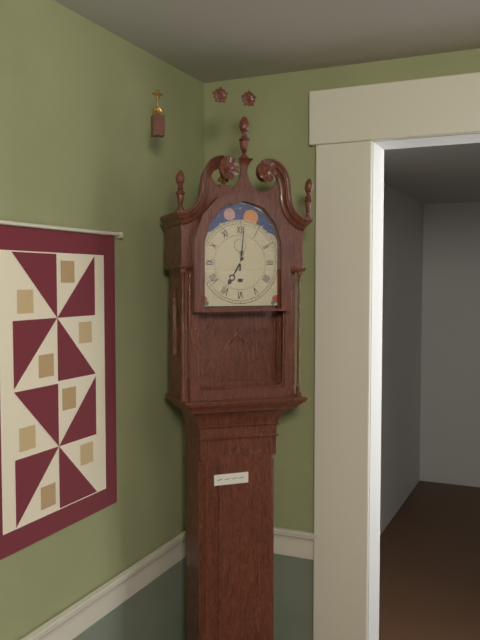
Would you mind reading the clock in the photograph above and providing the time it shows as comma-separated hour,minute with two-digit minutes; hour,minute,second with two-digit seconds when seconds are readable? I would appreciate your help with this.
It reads 7,01
